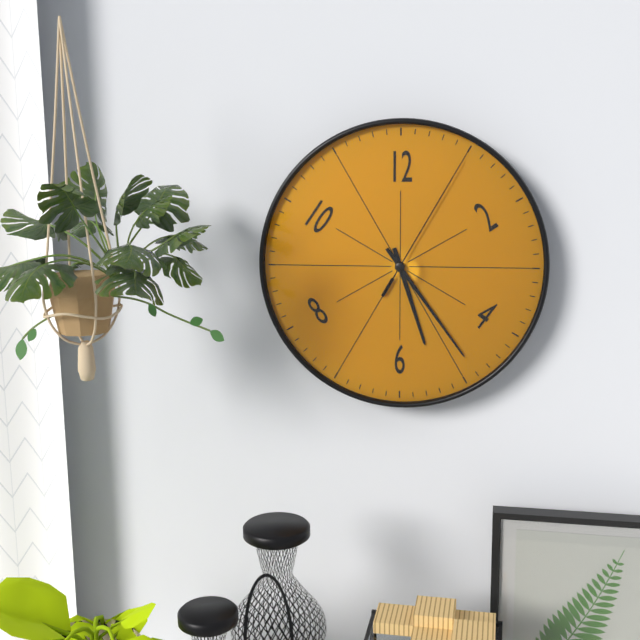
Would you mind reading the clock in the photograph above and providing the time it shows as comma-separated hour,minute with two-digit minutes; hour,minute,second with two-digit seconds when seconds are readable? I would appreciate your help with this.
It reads 5,24,05
